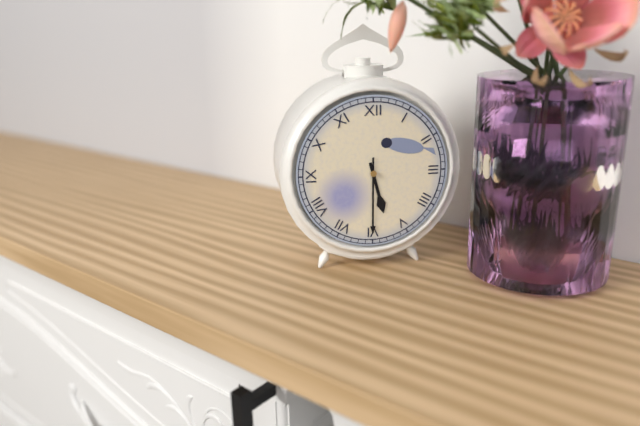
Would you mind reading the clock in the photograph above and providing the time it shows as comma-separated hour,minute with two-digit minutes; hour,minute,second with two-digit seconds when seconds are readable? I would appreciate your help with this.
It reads 5,30
